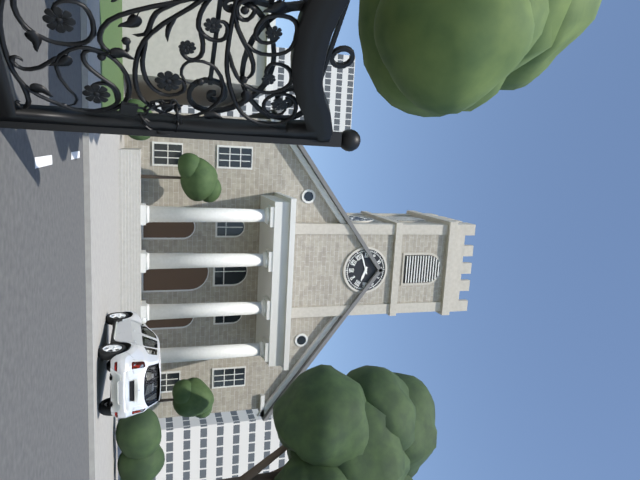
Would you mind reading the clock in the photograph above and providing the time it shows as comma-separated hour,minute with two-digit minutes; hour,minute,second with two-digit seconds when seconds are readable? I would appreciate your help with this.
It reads 3,42
